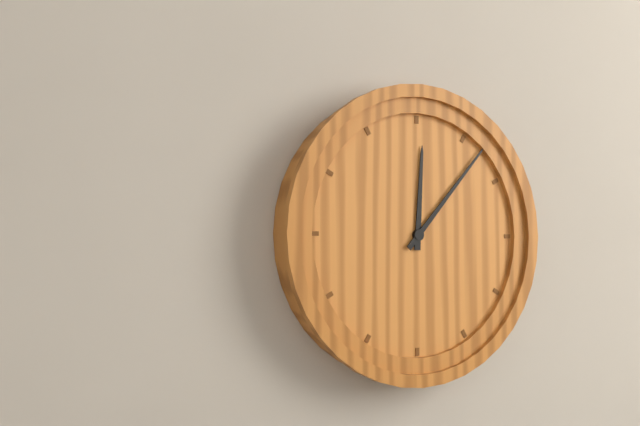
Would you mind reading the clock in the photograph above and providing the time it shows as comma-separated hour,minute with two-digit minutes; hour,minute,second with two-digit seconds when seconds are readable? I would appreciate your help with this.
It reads 12,07
